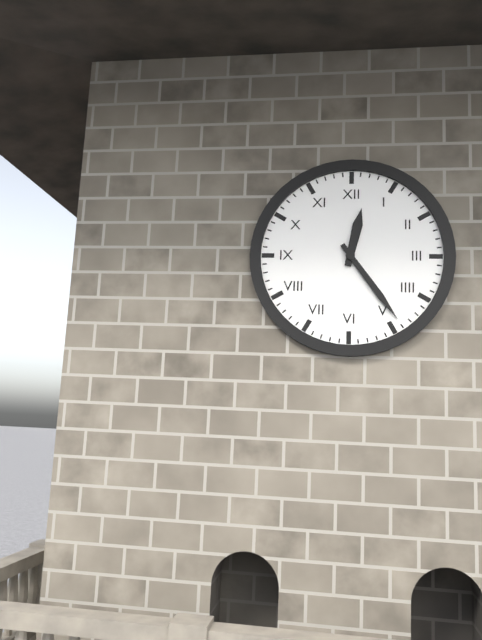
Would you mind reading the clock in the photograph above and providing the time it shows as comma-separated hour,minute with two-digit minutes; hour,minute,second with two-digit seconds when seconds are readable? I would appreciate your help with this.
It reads 12,24
